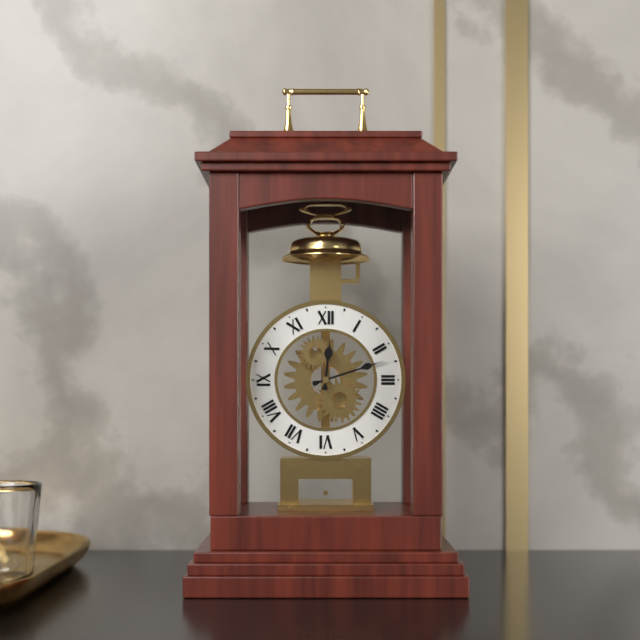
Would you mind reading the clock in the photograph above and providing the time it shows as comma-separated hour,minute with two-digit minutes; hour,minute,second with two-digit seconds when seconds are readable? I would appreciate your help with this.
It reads 12,12
